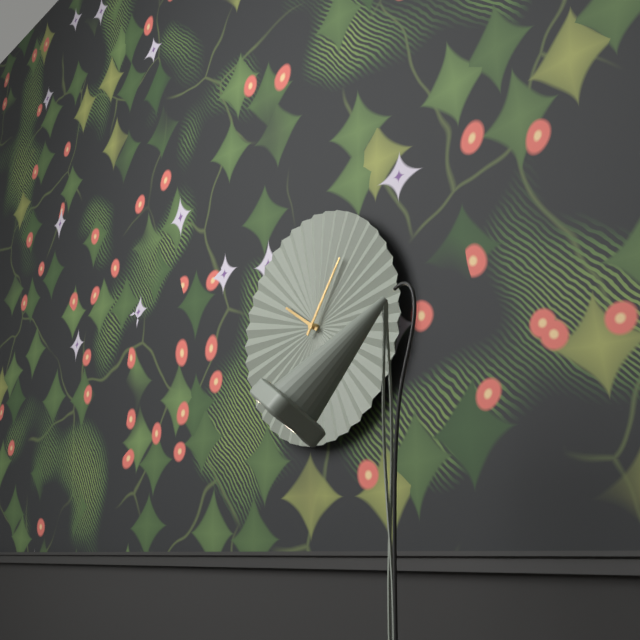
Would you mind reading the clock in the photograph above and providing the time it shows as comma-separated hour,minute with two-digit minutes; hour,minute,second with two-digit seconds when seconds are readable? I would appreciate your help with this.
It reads 10,06
